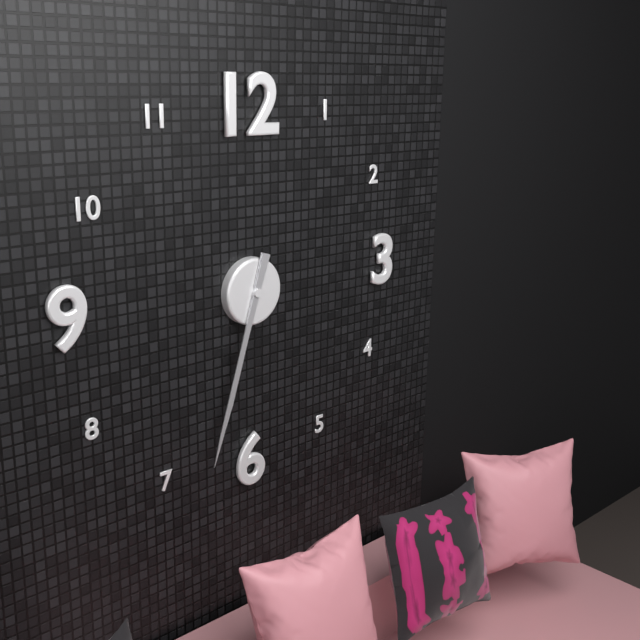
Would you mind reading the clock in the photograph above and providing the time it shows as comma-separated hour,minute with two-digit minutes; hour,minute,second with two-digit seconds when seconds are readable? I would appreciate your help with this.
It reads 6,33
